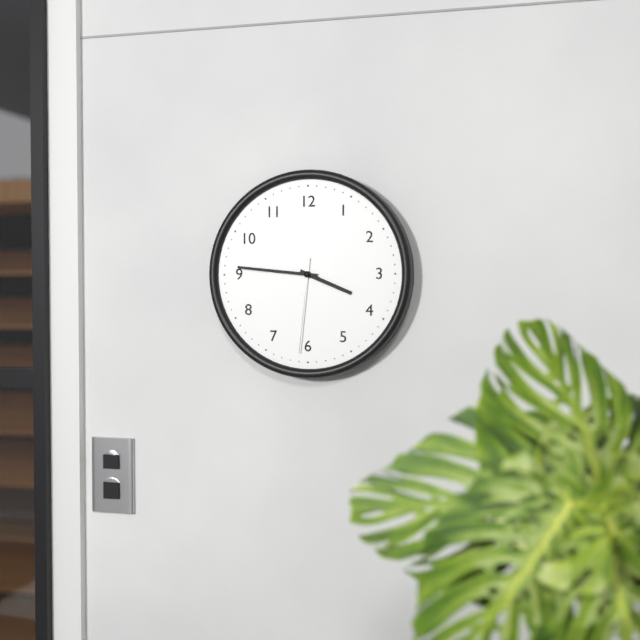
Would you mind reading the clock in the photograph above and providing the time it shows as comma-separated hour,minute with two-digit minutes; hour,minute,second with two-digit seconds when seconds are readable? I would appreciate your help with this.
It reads 3,46,31
